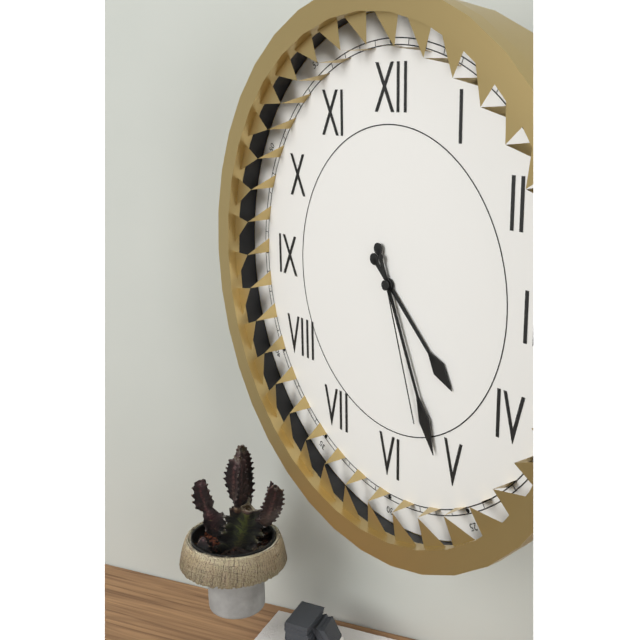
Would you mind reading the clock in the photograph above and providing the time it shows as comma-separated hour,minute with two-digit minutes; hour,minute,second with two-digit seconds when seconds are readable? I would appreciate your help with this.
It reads 4,26,27
